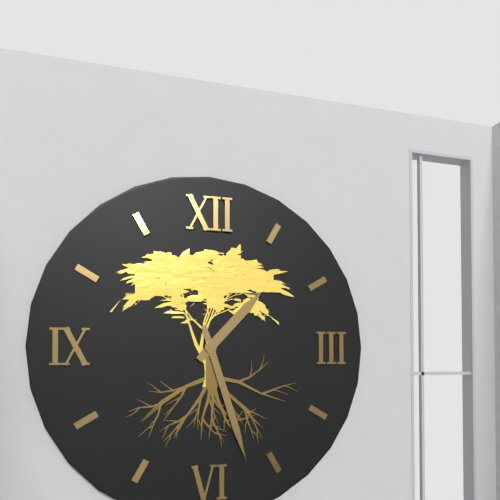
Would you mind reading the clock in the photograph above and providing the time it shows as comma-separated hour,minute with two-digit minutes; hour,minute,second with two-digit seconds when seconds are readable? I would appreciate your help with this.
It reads 1,27
